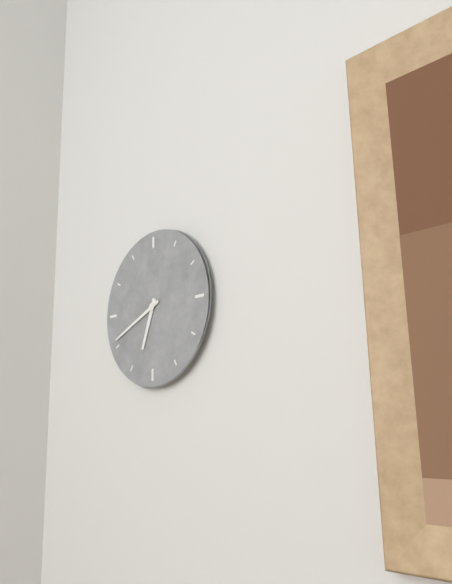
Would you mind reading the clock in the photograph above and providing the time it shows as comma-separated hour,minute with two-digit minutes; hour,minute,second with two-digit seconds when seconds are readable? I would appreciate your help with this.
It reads 6,41
